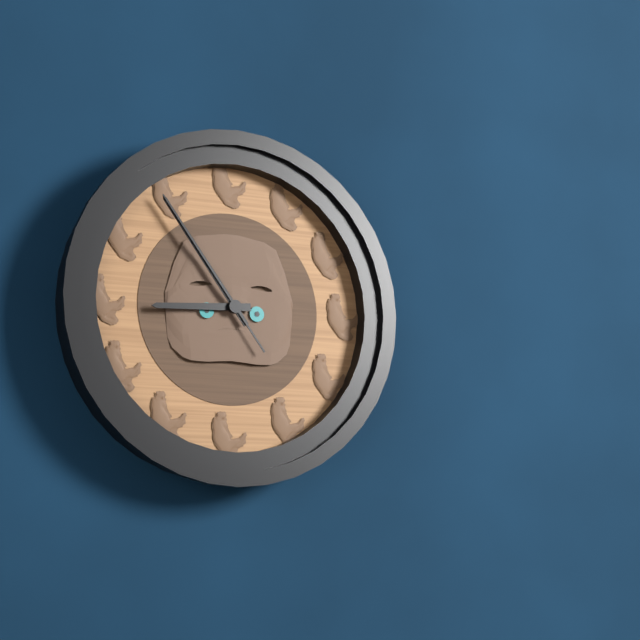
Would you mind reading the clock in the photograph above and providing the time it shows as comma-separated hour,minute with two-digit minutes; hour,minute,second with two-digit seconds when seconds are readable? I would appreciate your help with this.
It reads 8,54,54
